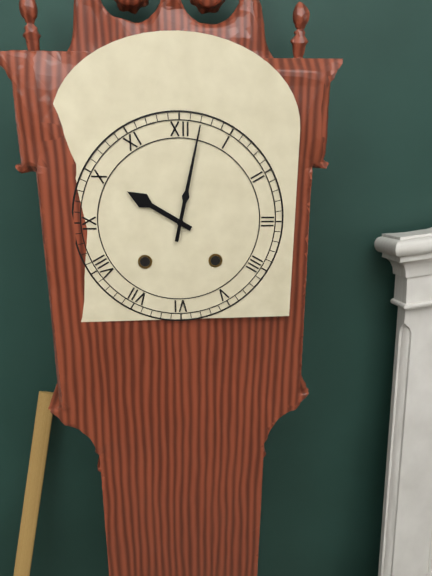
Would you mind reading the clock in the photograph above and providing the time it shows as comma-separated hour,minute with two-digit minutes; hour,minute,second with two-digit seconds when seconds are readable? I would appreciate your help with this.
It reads 10,02
